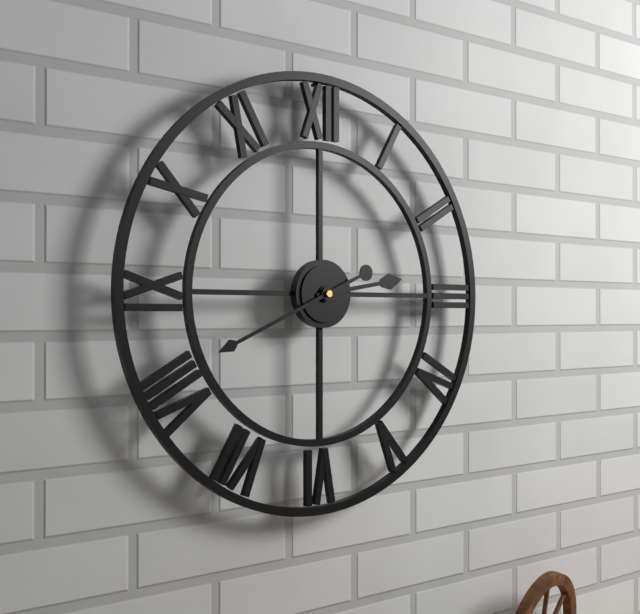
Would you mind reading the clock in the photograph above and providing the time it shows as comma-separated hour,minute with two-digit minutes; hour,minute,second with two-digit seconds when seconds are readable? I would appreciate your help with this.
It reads 2,41
